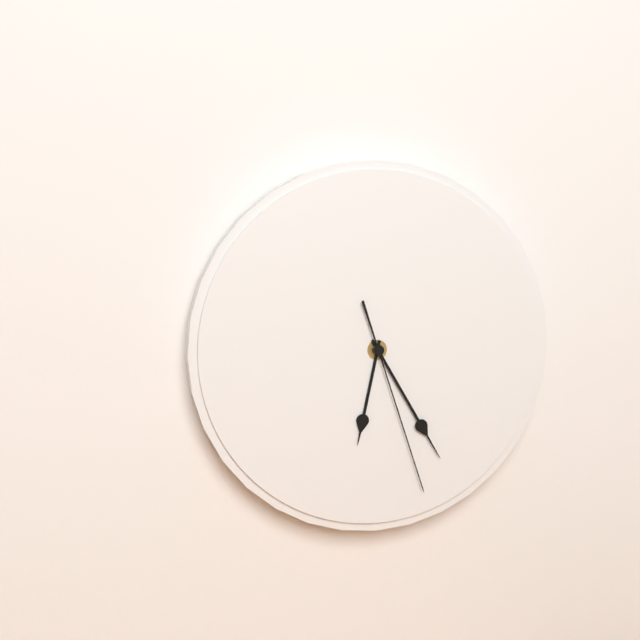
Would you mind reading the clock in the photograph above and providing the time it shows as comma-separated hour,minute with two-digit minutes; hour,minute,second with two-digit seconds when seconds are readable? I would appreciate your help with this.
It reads 6,25,27
